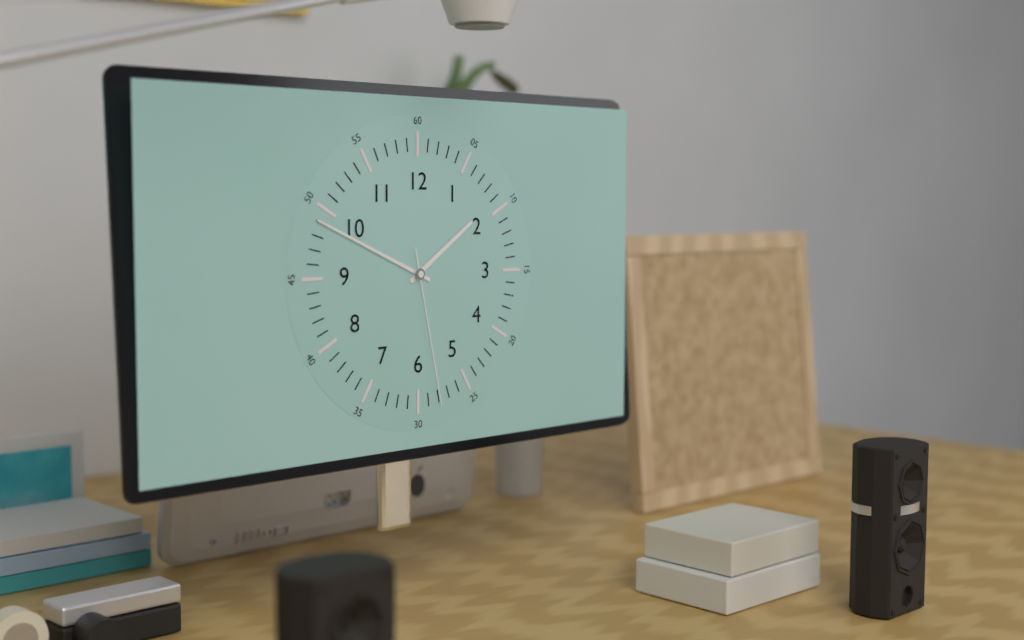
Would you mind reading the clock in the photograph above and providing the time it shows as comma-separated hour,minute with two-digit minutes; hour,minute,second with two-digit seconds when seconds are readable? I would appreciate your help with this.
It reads 1,49,28
